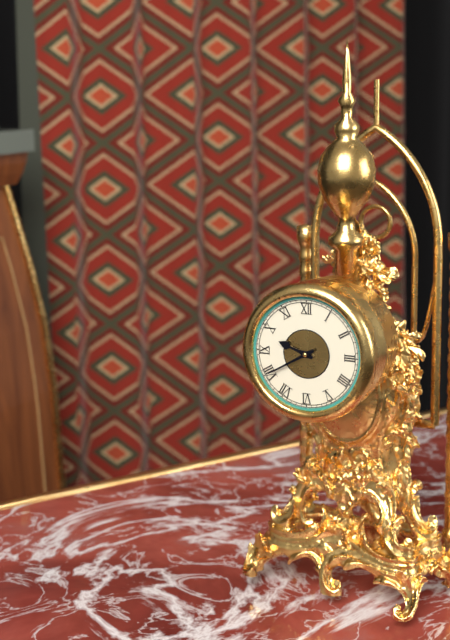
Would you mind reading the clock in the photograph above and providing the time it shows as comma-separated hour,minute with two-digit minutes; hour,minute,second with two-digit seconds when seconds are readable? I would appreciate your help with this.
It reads 9,40
